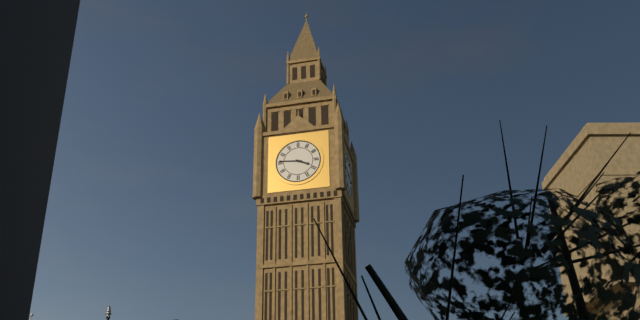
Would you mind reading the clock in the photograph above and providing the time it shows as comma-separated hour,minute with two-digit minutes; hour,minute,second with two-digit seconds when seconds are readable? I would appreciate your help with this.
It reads 3,46
